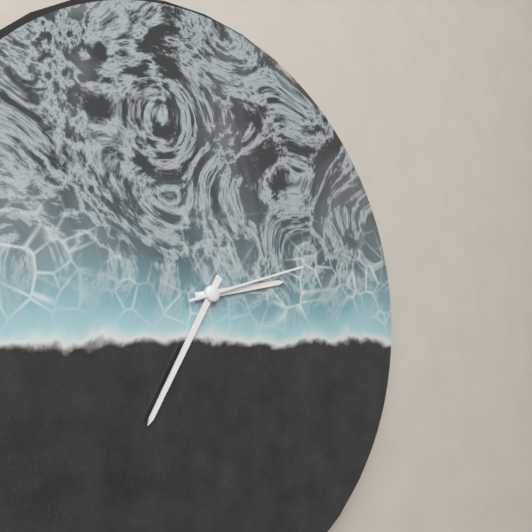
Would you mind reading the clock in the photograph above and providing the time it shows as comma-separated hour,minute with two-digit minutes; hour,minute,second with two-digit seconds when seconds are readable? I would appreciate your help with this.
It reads 2,35,12
